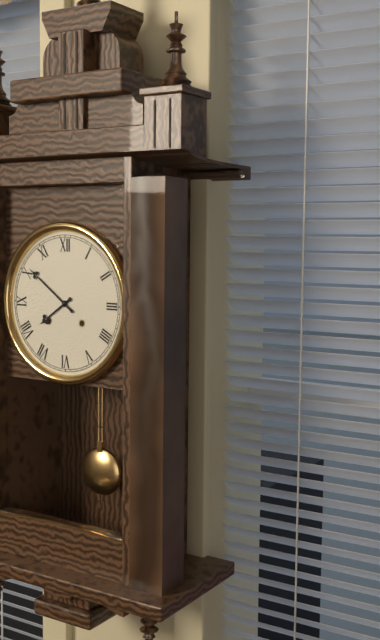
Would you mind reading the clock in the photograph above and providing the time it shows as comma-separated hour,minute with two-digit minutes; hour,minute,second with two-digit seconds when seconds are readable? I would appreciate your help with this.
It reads 7,51
